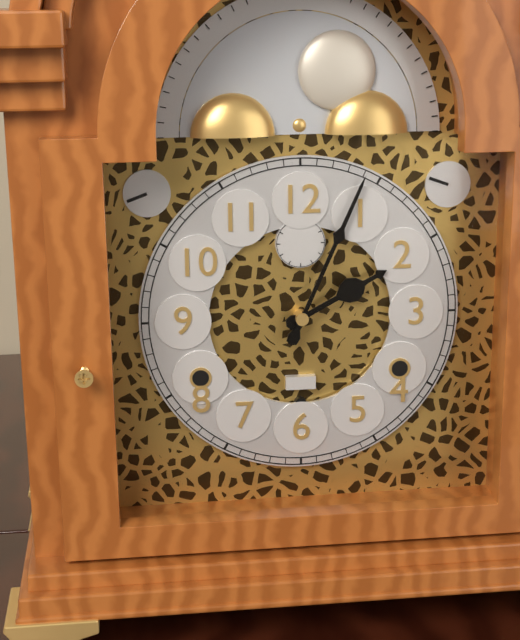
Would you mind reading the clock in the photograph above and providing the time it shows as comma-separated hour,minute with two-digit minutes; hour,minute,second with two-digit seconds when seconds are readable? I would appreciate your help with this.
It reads 2,04
